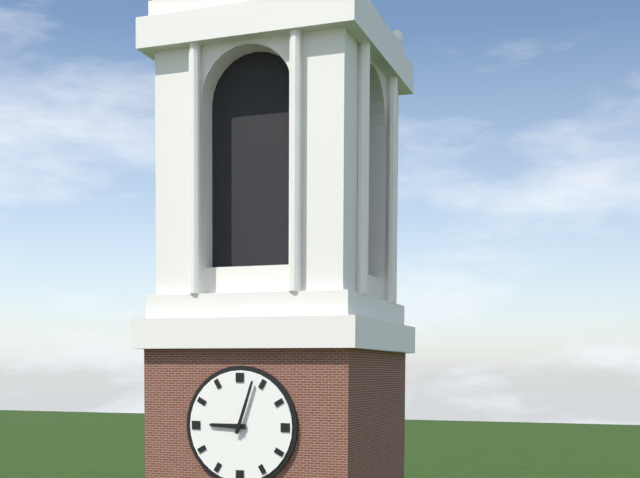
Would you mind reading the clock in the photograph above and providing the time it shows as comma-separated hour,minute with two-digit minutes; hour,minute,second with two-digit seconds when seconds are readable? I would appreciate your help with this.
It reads 9,03
